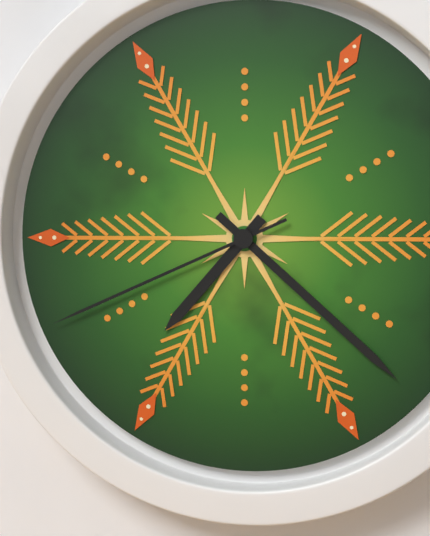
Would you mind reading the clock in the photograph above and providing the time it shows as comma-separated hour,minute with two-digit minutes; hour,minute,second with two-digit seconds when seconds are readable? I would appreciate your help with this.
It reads 7,22,41
